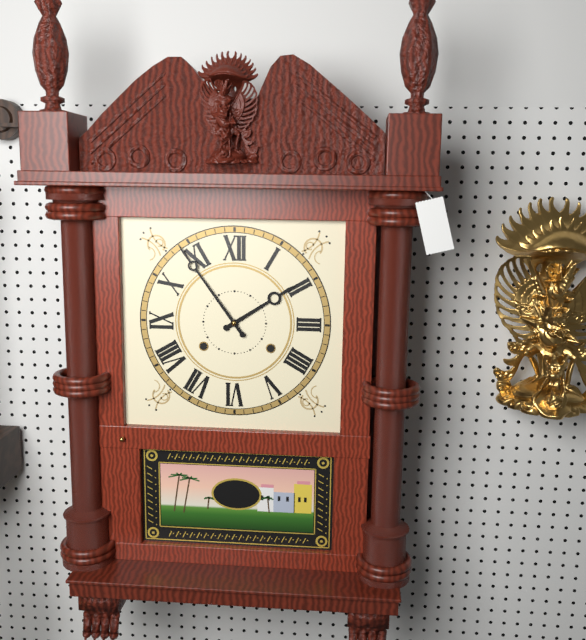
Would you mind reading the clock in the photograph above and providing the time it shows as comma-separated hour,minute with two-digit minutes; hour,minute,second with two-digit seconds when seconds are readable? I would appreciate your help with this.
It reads 1,54
